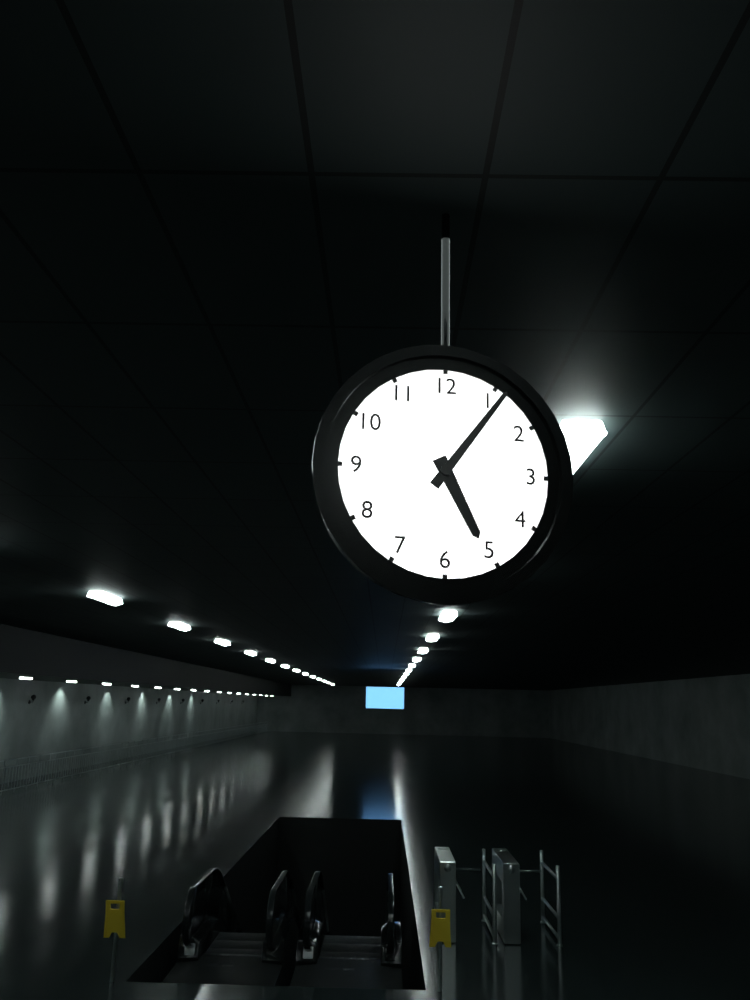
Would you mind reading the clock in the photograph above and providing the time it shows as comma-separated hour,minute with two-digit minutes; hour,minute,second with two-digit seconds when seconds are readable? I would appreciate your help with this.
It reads 5,06
